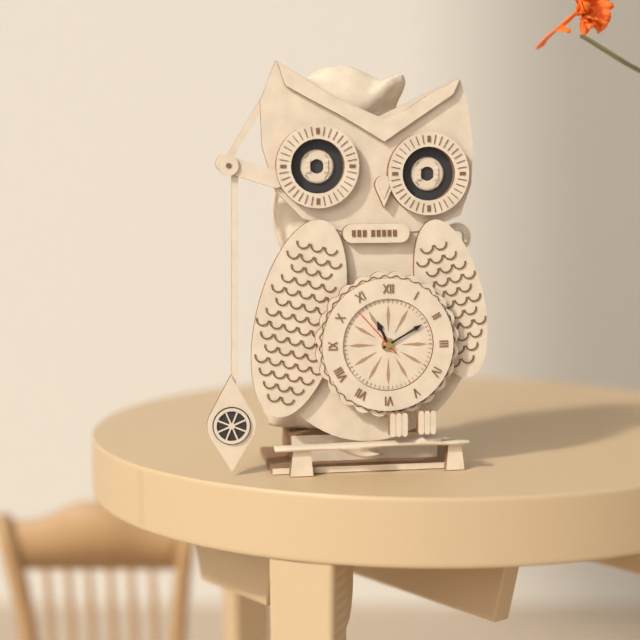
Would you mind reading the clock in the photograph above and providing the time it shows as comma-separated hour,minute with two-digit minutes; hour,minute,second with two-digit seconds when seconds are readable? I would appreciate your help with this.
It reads 11,10,53
